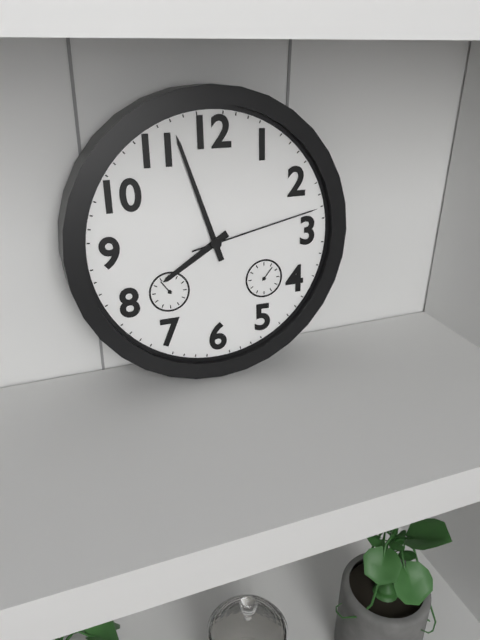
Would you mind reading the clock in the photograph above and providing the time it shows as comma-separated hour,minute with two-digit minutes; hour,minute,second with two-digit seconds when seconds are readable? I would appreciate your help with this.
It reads 7,57,13
